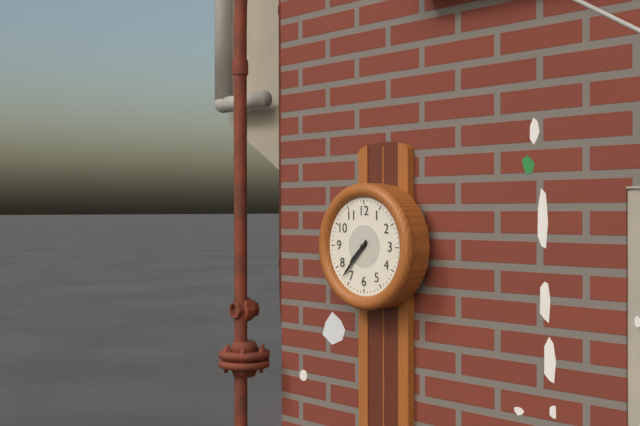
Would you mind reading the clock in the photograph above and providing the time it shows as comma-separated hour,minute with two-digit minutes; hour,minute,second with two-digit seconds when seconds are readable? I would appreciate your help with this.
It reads 7,37
